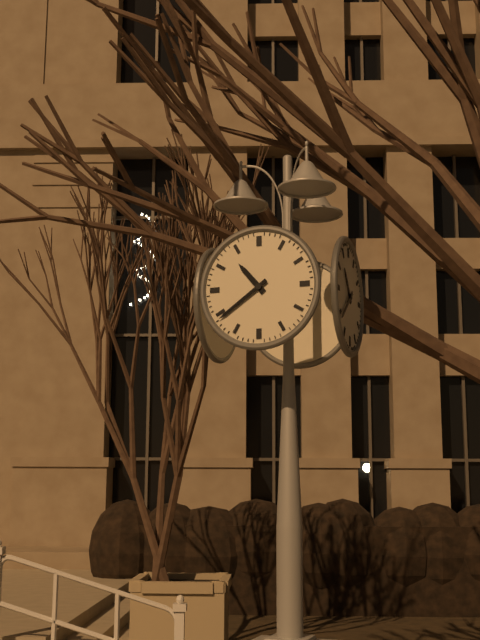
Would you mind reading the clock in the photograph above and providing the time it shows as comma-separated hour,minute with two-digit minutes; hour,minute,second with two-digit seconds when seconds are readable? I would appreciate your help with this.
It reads 10,39
